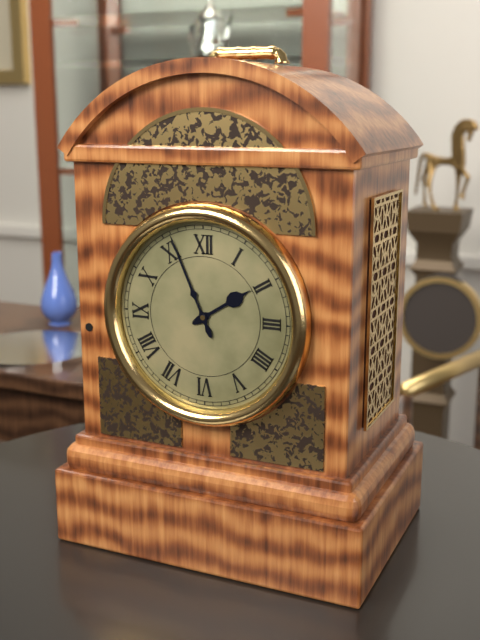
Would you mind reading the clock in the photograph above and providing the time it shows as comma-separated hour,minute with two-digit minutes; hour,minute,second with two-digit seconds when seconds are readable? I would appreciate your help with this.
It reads 1,56
